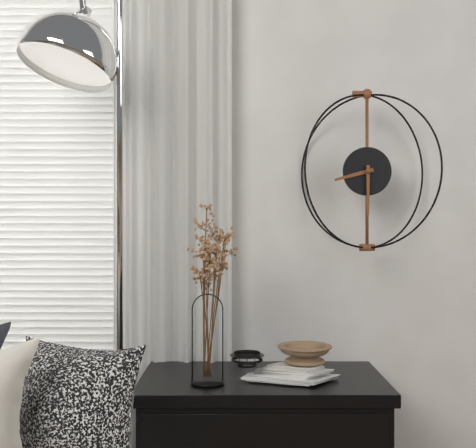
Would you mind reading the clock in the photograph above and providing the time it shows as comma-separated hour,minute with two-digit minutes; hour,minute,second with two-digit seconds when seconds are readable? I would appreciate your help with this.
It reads 8,30
